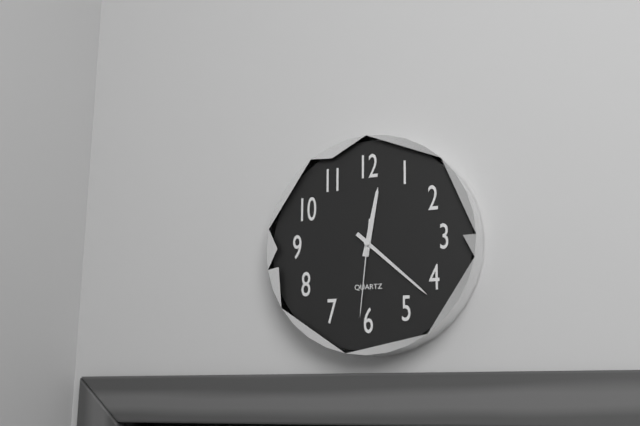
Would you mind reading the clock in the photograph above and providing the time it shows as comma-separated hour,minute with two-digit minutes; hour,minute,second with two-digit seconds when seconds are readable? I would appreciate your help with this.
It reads 12,22,31
